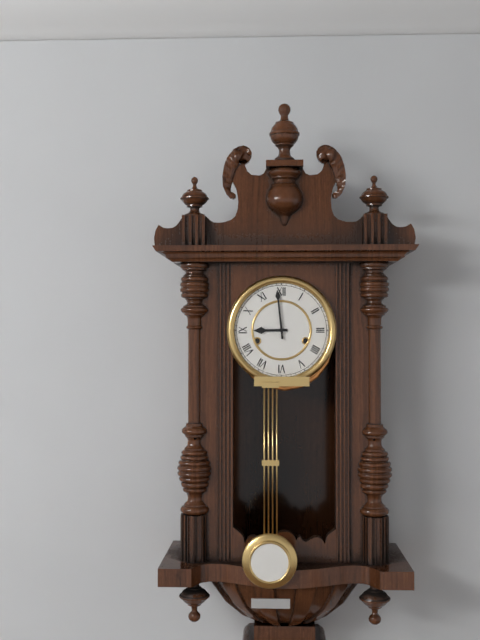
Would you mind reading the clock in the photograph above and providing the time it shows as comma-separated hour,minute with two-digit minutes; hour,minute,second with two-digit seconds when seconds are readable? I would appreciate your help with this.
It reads 8,59
